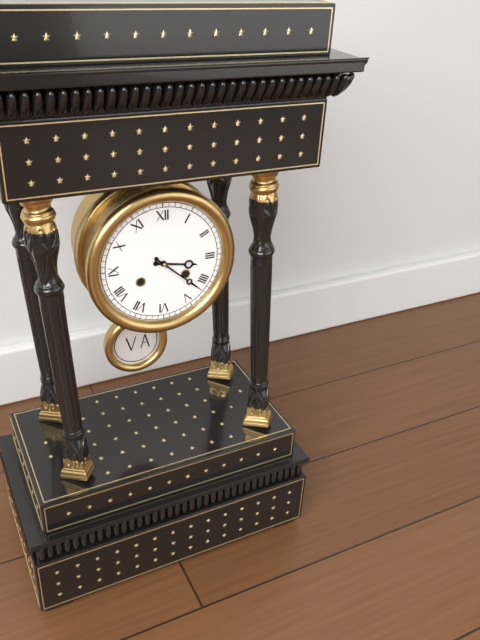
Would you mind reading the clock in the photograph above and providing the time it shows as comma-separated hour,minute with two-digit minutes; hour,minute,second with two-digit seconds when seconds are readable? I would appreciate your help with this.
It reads 3,22
